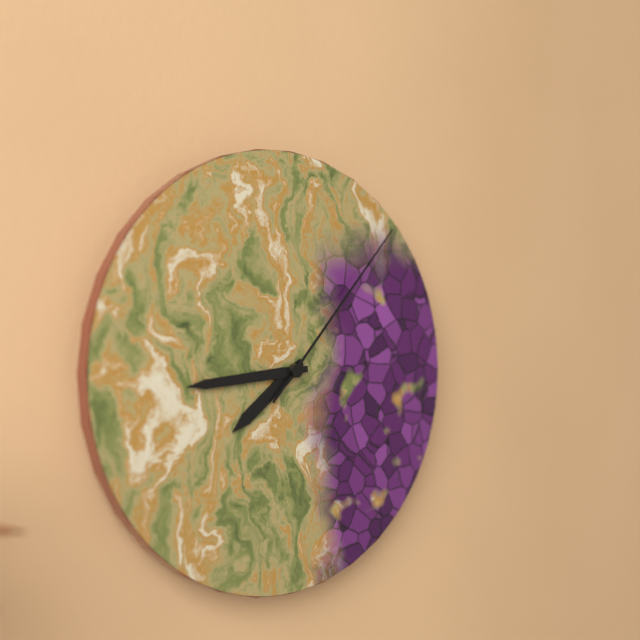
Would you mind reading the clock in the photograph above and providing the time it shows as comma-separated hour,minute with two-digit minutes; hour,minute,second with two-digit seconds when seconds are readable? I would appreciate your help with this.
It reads 7,44,07
